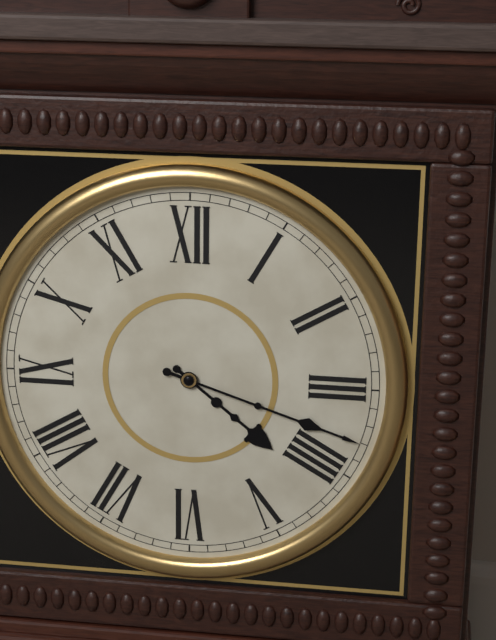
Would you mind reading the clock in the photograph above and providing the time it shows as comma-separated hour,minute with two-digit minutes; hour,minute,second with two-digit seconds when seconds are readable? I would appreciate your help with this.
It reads 4,18
